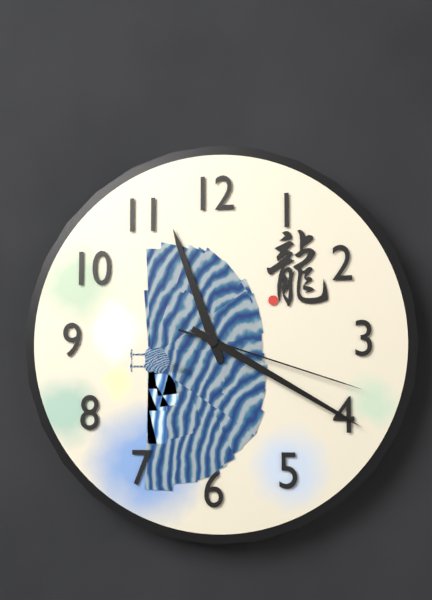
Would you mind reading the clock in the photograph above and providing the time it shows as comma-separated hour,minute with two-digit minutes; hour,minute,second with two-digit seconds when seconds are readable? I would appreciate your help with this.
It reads 11,20,18
